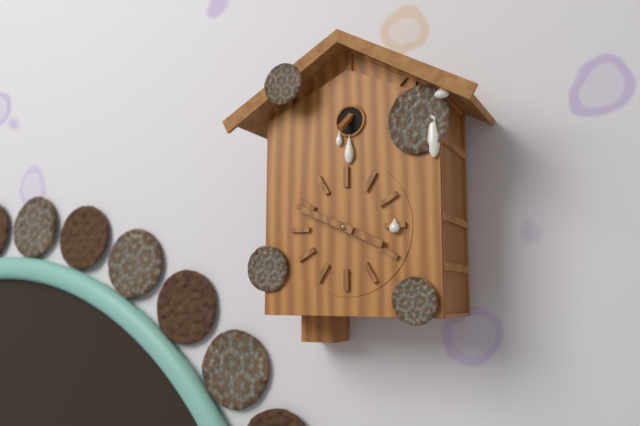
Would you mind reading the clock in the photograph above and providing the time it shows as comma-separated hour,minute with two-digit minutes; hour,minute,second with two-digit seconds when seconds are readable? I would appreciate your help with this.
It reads 3,49
